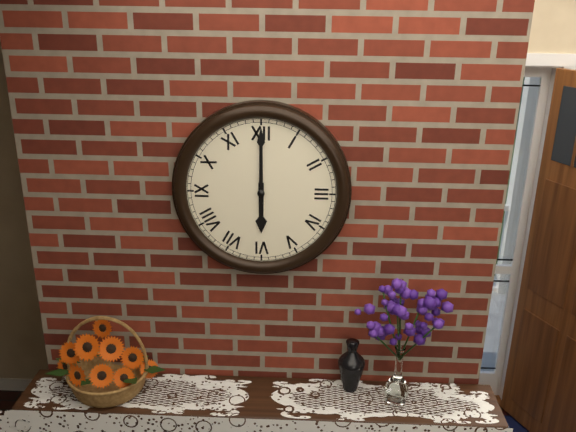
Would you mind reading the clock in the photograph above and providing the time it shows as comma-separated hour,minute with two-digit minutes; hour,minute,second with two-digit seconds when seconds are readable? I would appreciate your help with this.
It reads 6,00
